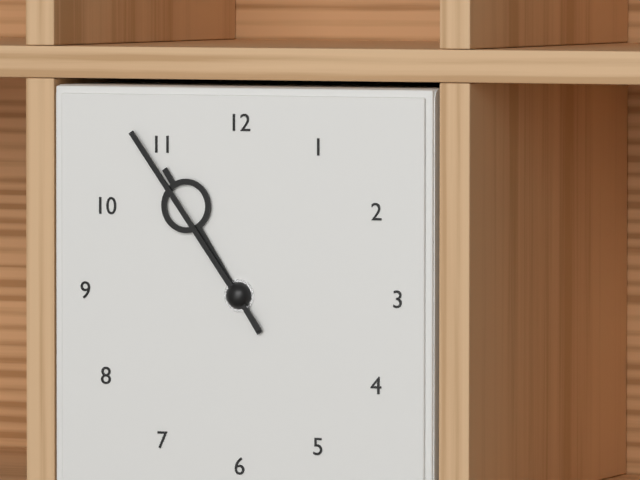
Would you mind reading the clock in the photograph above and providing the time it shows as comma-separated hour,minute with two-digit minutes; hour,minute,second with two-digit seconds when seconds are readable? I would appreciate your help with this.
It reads 10,54
